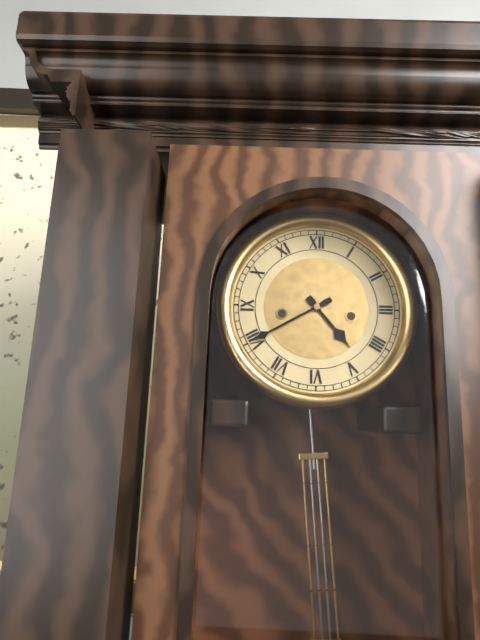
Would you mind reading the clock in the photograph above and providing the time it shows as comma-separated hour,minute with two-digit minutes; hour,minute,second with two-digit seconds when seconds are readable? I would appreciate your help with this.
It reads 4,40
